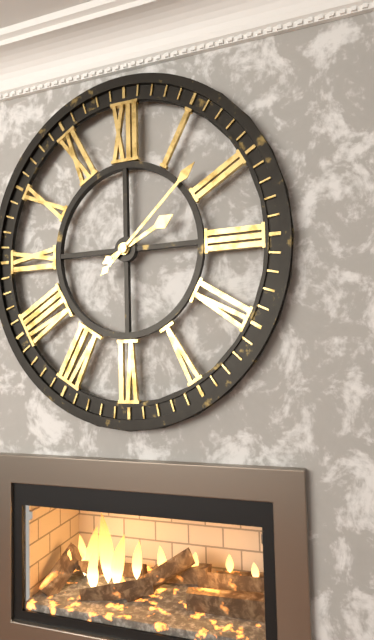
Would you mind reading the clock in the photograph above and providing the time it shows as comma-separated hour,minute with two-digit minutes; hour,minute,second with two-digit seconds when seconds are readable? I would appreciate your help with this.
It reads 2,08
